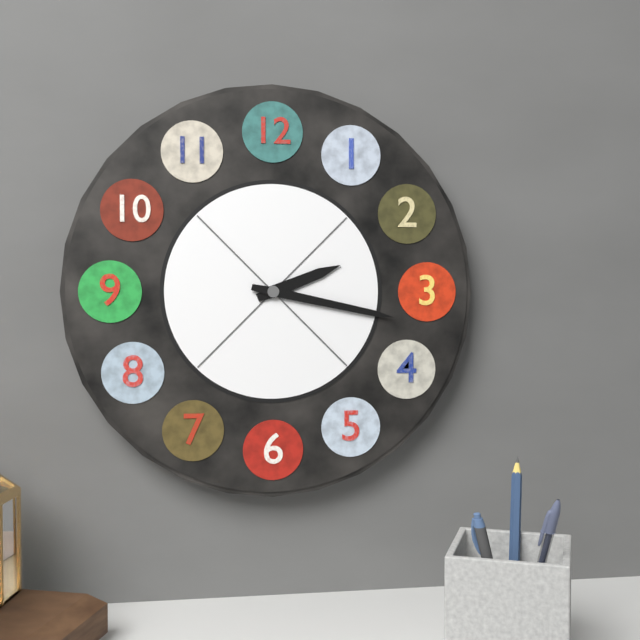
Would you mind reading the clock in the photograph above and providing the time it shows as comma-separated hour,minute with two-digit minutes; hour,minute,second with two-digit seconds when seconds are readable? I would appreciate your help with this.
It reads 2,17
